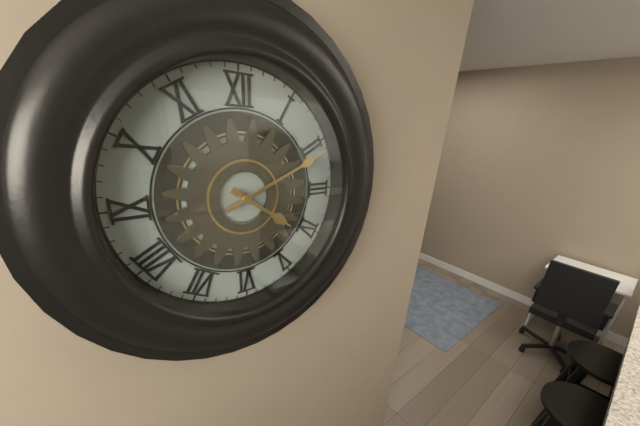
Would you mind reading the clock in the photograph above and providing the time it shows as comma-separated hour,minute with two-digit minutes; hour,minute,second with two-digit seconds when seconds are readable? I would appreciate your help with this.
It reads 4,11
